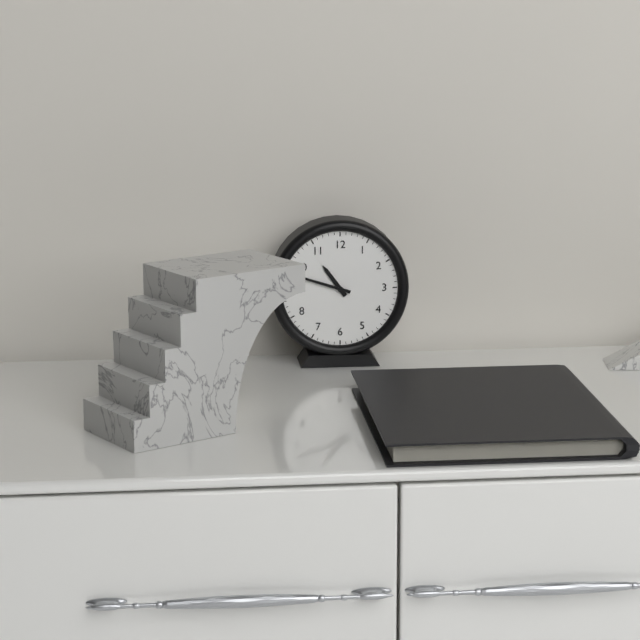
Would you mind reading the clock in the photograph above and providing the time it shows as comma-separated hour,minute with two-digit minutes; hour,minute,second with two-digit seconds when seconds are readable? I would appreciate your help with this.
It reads 10,48
